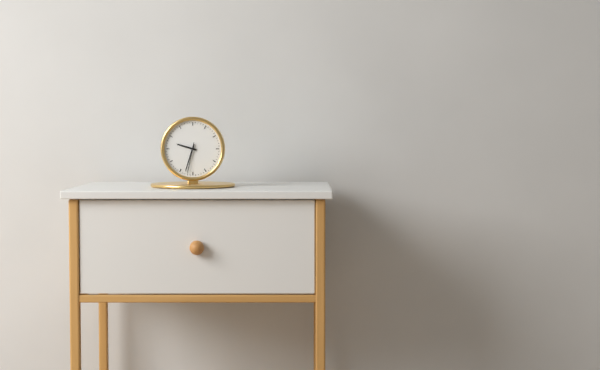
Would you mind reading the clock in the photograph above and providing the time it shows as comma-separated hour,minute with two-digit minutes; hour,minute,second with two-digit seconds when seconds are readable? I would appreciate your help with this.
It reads 9,33
